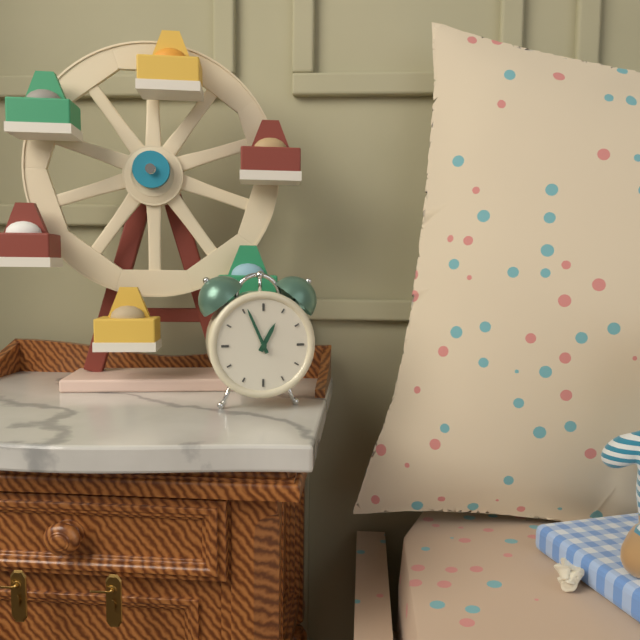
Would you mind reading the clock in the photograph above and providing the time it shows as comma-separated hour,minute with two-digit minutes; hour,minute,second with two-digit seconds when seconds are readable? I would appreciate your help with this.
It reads 12,56
